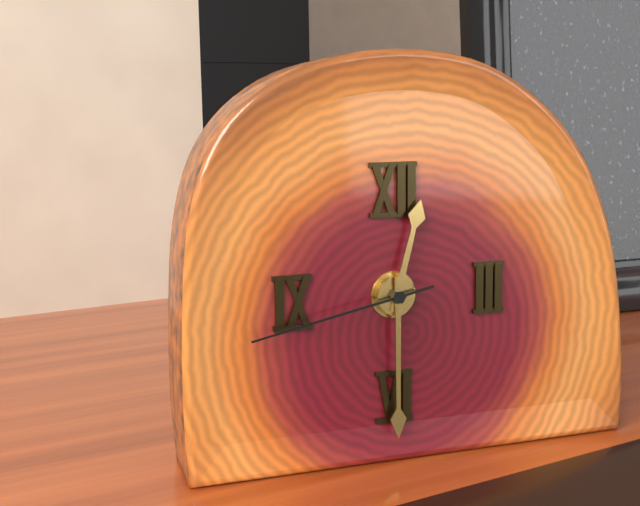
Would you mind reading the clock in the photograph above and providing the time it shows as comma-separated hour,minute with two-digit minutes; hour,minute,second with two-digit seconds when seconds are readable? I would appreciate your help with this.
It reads 12,30,43
